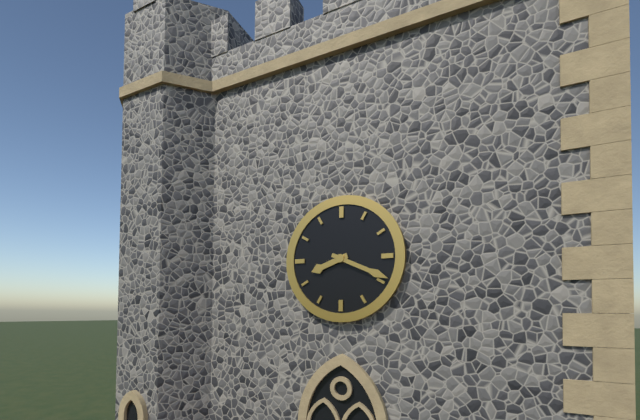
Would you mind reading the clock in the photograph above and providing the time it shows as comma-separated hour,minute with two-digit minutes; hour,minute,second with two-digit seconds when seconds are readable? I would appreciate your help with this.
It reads 8,19
